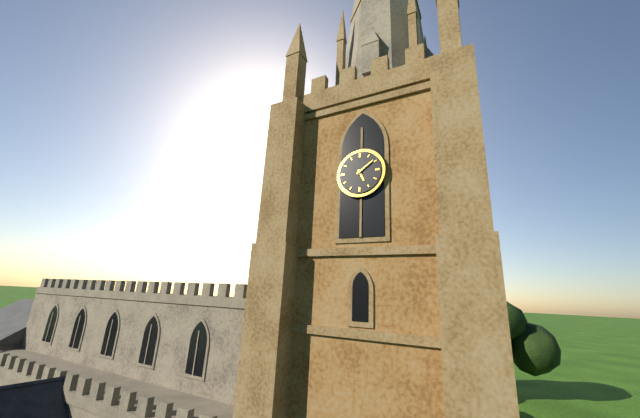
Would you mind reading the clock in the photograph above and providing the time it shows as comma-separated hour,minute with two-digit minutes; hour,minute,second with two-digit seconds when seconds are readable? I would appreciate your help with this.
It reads 5,09
